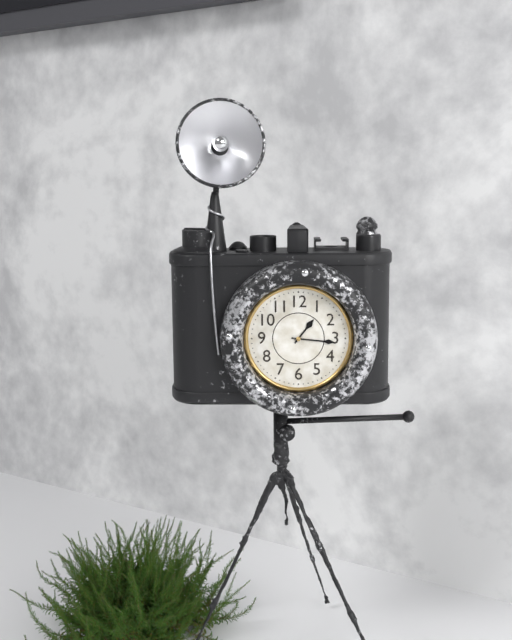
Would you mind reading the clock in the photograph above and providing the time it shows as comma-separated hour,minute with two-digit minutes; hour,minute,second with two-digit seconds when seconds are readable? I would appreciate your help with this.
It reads 1,16
